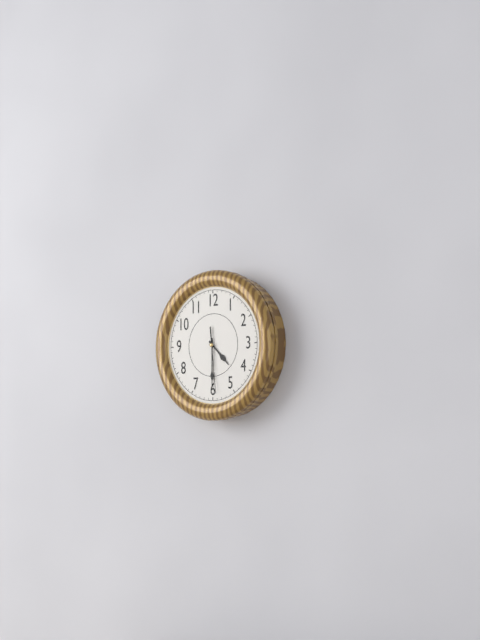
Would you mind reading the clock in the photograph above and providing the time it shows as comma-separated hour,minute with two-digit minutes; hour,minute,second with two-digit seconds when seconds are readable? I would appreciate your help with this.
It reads 4,30,29
